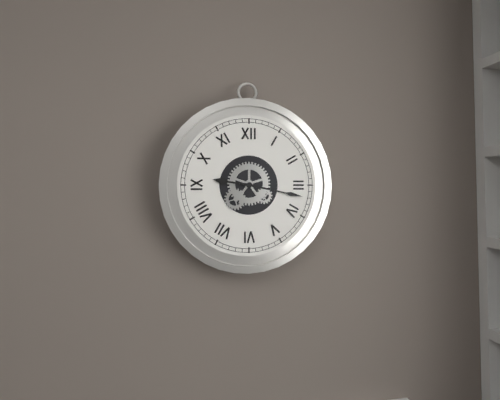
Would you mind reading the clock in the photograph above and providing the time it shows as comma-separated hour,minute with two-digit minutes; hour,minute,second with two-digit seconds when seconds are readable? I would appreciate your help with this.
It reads 9,17
